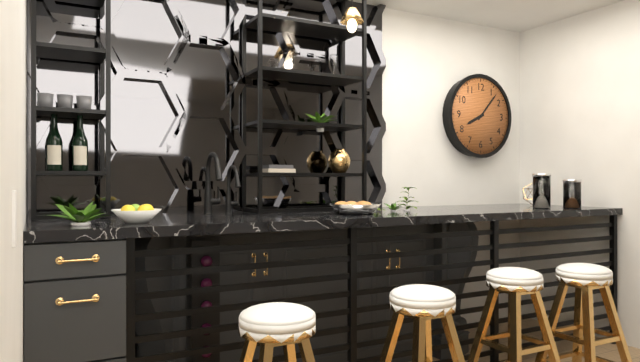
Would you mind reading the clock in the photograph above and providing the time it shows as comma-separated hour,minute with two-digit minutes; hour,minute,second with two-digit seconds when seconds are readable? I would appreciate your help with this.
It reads 8,07
